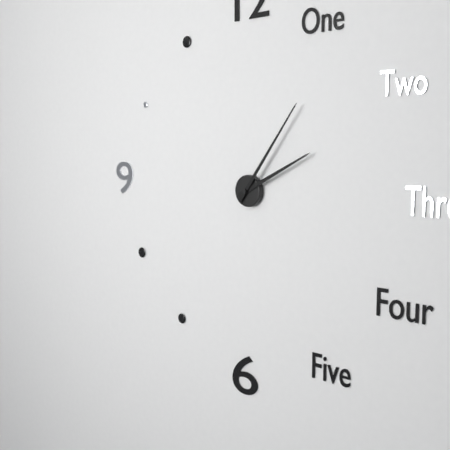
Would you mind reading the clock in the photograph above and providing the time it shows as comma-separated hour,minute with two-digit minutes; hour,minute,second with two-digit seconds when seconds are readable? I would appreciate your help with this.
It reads 2,06
